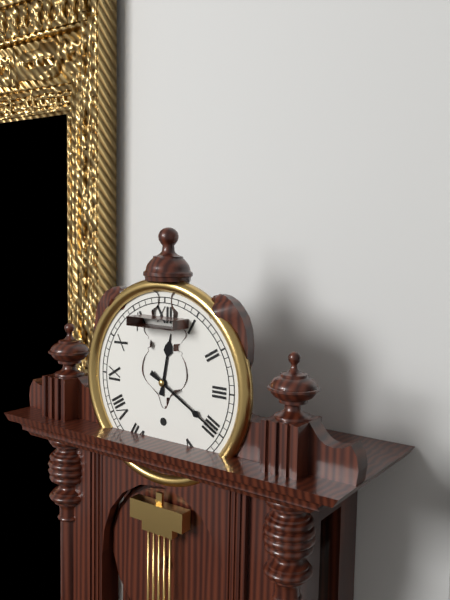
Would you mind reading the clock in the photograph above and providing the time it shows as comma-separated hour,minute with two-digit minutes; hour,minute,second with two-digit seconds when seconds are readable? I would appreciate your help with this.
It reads 12,20
